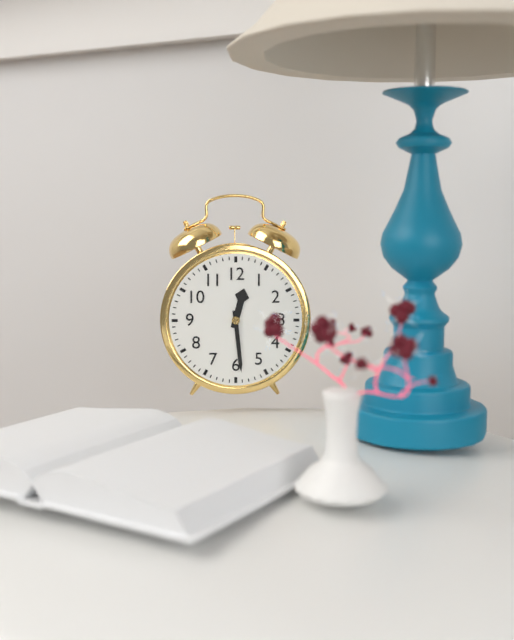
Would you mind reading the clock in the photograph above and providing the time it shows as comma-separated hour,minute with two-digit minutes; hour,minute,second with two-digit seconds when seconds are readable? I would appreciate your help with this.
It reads 12,29
